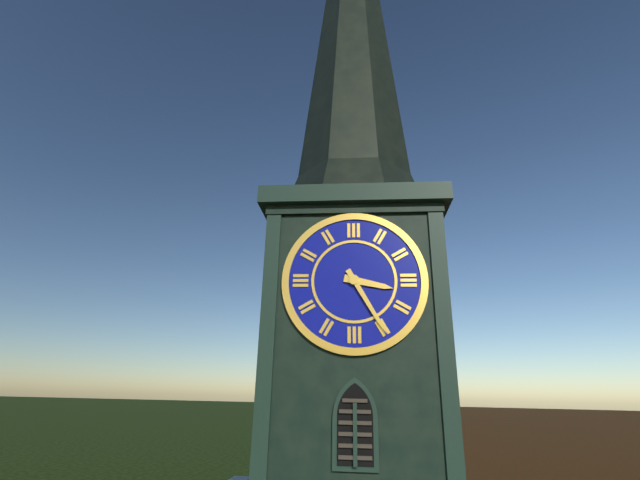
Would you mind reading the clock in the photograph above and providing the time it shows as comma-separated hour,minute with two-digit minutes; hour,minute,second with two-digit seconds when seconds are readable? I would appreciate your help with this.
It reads 3,25
